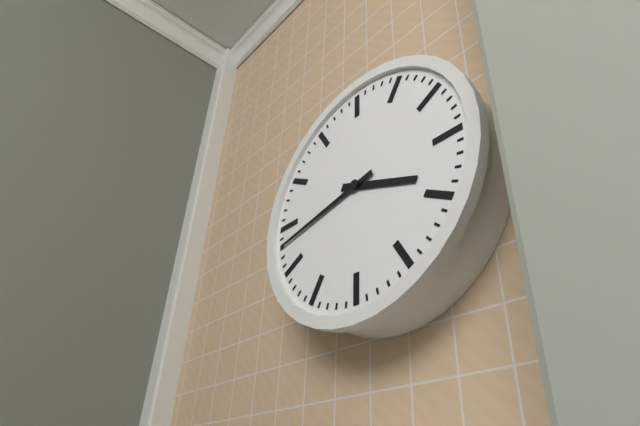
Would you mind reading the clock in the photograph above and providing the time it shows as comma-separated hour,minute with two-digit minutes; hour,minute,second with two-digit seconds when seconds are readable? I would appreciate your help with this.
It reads 3,43
